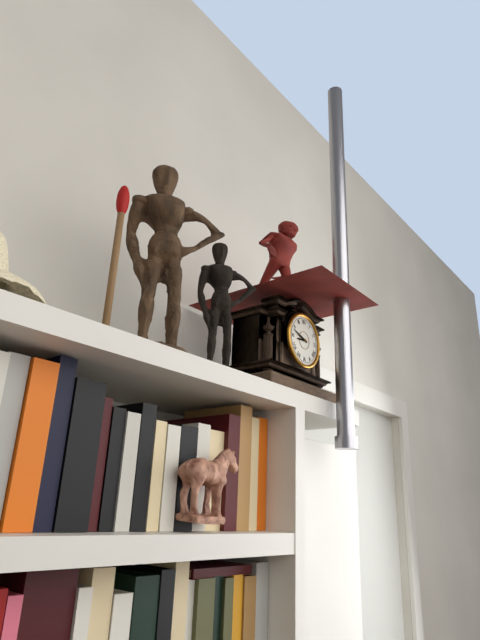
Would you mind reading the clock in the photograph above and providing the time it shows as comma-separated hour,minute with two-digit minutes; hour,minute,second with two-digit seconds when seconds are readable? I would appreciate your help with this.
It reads 8,48
